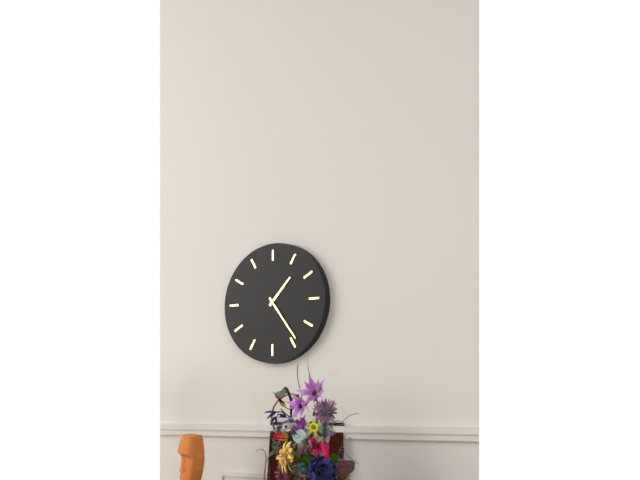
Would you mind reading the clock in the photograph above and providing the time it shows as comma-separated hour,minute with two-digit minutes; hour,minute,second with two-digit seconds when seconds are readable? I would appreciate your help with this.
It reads 1,24
